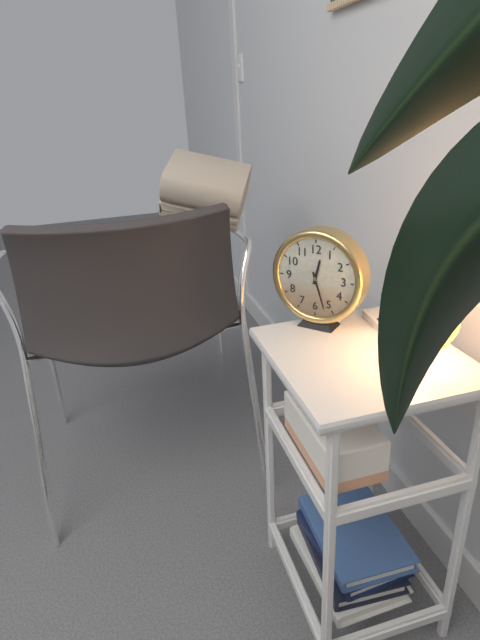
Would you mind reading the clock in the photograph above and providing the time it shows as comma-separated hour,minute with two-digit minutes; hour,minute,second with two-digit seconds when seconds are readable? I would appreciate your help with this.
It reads 12,27
